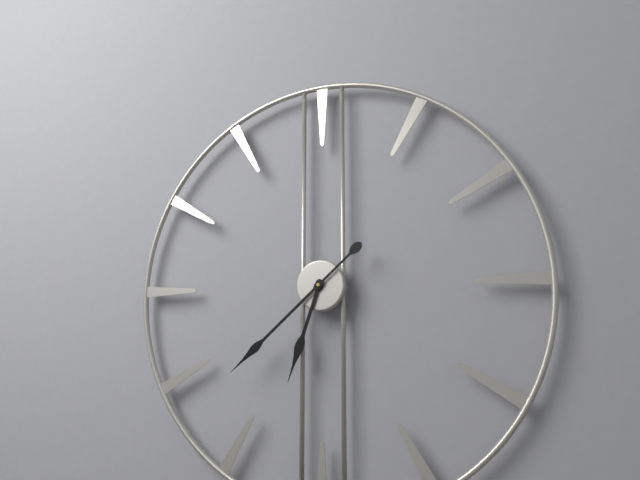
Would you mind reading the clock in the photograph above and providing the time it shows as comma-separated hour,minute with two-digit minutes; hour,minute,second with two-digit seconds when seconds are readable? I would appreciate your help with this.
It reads 6,38
